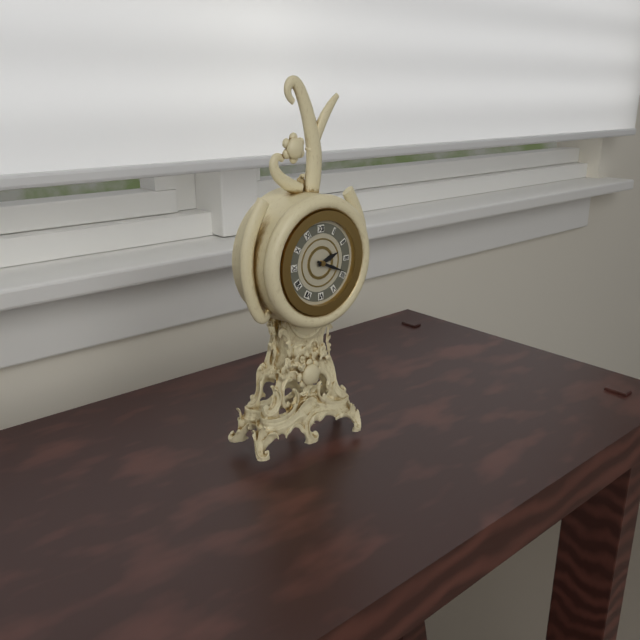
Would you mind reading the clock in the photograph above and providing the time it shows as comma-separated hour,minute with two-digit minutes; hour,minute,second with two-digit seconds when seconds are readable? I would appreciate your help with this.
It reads 2,19
